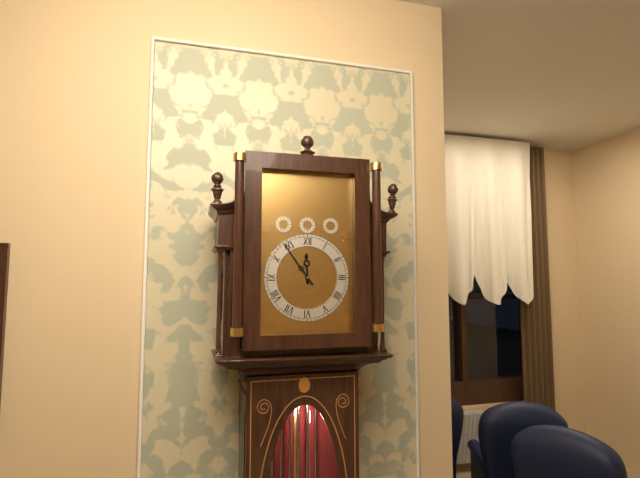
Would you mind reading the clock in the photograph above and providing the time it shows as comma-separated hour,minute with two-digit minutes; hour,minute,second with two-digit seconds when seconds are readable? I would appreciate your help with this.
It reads 11,54
